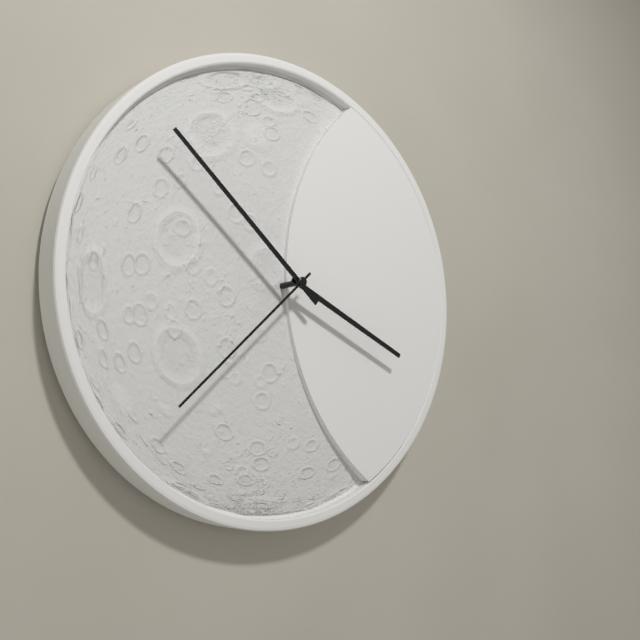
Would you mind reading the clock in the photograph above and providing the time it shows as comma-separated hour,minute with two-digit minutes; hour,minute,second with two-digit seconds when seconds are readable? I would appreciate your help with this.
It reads 3,52,38
